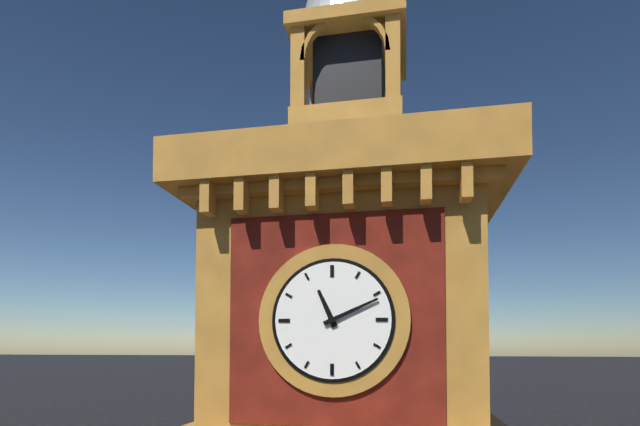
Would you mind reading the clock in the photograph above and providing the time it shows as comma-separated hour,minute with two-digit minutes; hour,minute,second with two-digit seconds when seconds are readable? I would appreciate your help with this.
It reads 11,11
